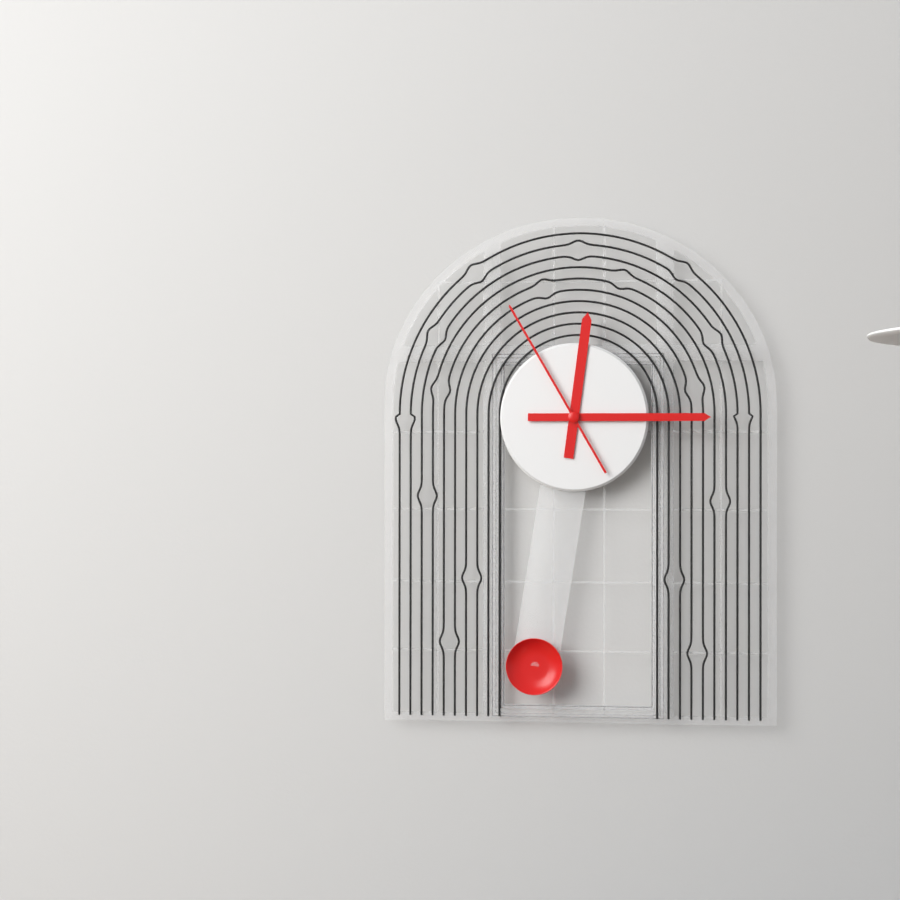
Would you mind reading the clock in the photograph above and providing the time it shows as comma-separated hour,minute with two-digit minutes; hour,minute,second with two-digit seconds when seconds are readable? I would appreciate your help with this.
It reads 12,15,55
